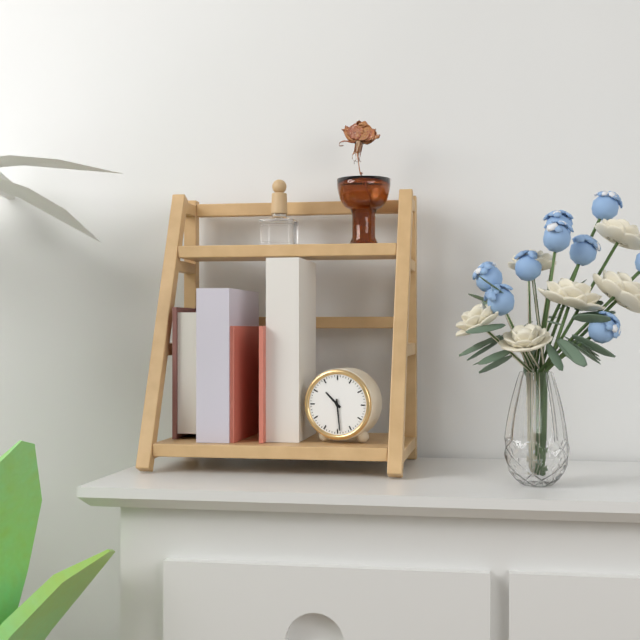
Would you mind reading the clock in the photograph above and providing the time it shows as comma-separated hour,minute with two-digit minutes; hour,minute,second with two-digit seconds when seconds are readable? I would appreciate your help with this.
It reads 10,29
